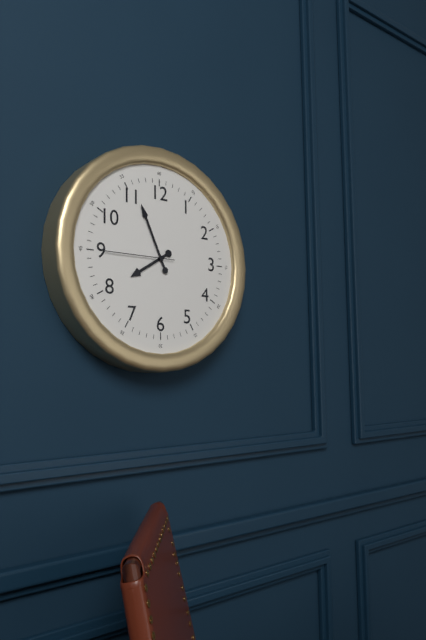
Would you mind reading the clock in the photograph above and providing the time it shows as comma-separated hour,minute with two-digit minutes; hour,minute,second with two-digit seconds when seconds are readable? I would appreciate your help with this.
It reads 7,56,45
